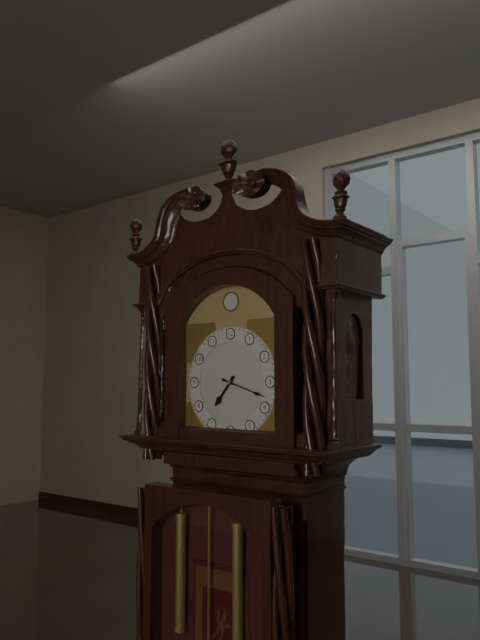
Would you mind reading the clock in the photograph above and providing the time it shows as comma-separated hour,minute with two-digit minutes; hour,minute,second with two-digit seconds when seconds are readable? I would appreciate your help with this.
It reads 7,18
